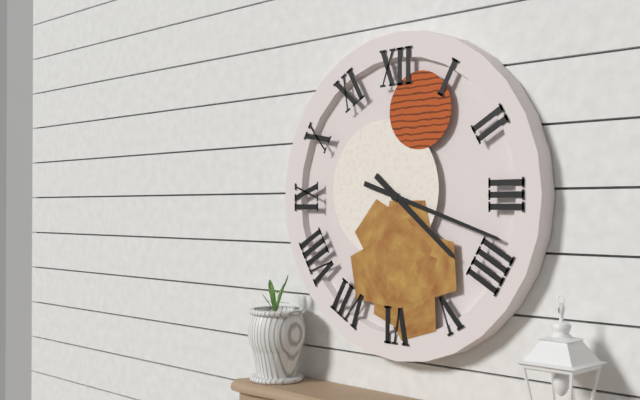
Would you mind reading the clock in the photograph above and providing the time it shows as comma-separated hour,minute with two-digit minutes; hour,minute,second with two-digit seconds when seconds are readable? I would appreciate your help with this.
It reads 4,18
